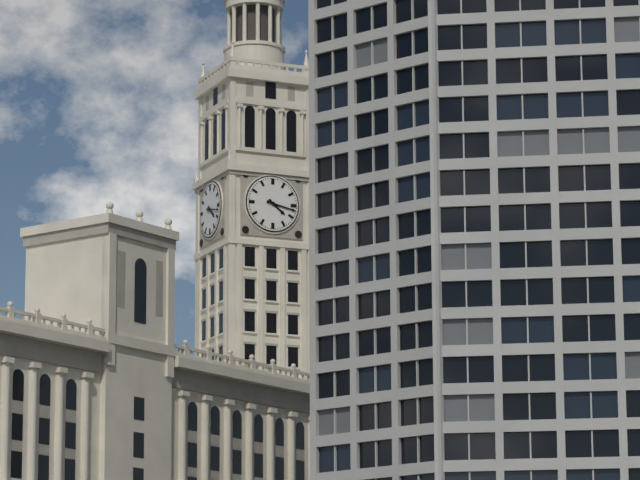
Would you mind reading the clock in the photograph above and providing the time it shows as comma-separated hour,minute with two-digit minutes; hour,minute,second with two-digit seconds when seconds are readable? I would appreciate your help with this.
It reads 4,17
